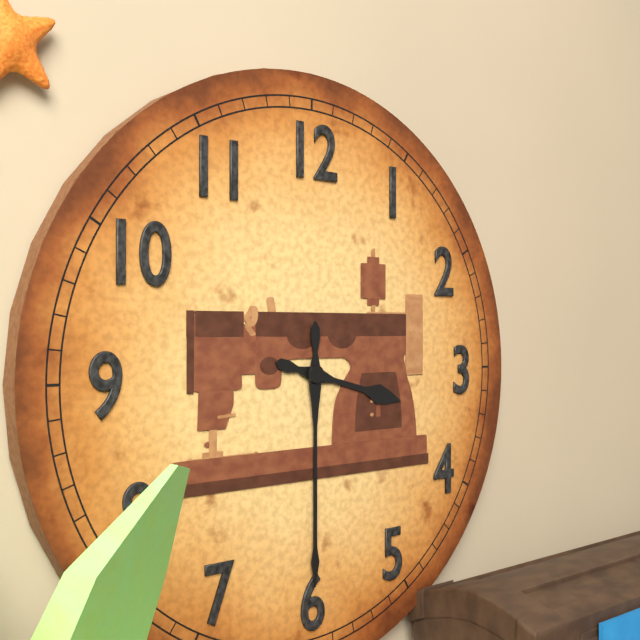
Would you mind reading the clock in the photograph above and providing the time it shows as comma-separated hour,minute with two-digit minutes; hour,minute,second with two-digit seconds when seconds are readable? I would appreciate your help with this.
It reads 3,30
